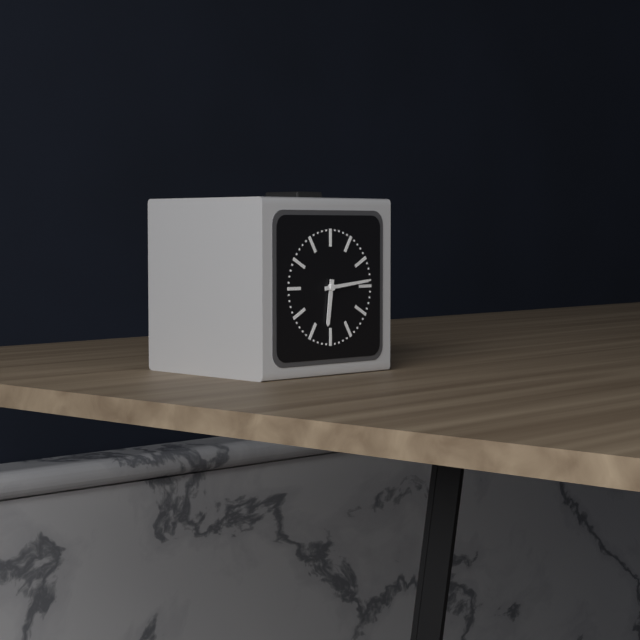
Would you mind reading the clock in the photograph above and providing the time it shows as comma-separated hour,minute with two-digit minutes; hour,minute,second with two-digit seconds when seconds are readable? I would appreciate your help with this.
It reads 6,14
